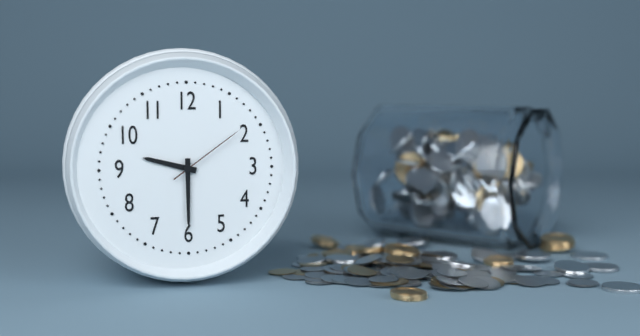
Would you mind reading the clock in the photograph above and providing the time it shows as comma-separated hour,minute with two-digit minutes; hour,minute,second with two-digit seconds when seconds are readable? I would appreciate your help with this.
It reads 9,30,09
